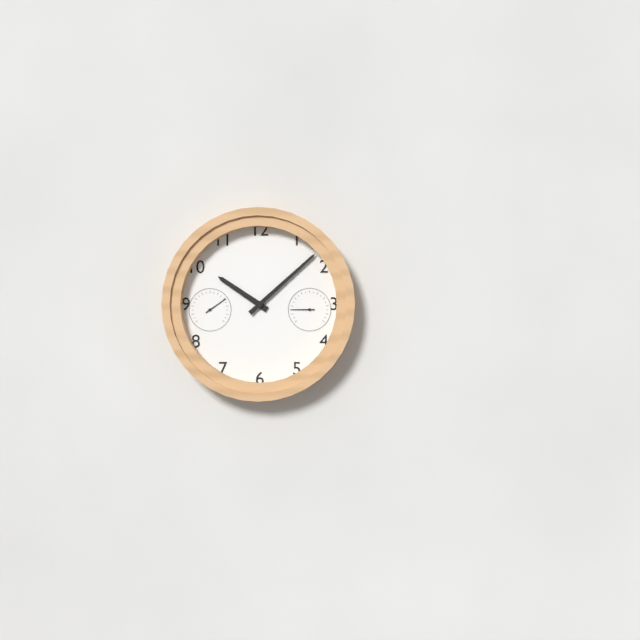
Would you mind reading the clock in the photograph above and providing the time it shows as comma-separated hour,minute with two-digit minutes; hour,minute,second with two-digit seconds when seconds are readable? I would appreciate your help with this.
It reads 10,08
